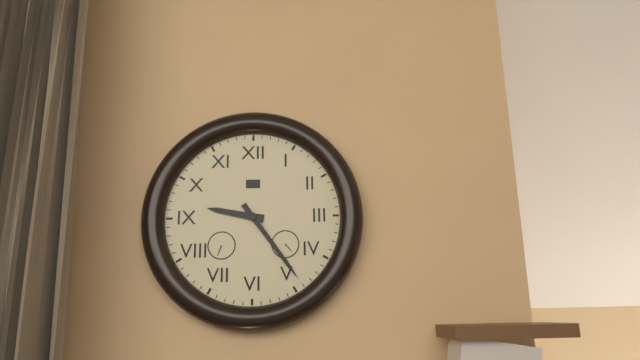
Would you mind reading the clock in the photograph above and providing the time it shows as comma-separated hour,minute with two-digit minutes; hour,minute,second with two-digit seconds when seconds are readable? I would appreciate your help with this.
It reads 9,24
